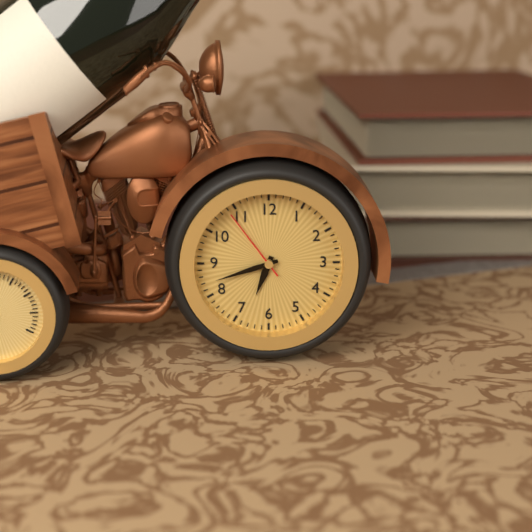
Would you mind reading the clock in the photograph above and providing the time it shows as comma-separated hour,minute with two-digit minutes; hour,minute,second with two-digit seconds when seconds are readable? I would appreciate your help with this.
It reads 6,42,54
